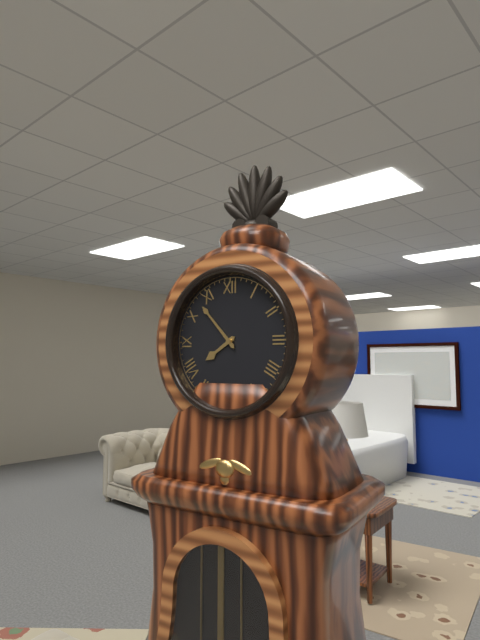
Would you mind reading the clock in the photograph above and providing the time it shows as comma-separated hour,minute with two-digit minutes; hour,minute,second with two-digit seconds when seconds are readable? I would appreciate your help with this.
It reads 7,53
